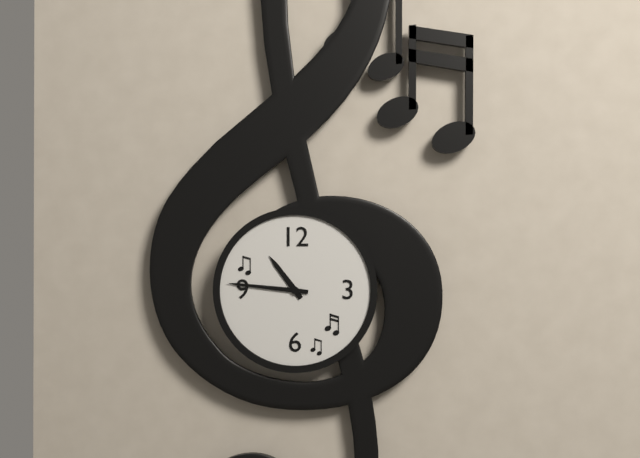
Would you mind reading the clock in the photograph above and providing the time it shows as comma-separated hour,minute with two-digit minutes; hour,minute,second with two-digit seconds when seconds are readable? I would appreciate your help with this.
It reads 10,46
